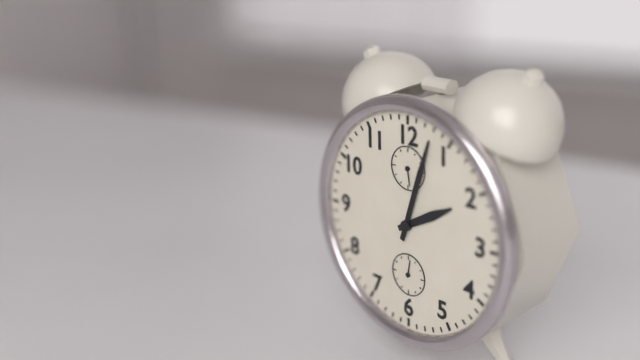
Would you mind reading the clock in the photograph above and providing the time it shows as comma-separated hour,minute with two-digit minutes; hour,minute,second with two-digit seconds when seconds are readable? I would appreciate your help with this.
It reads 2,03
